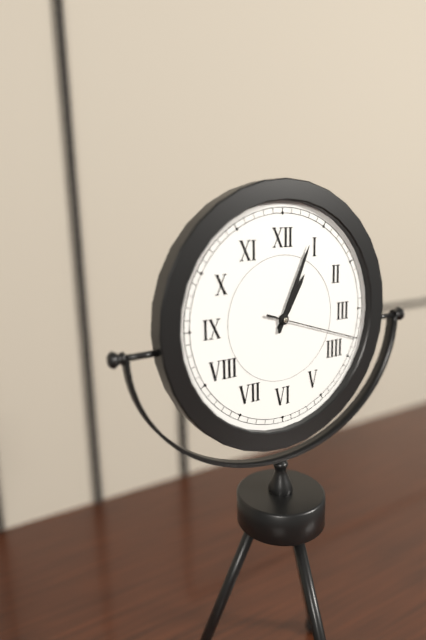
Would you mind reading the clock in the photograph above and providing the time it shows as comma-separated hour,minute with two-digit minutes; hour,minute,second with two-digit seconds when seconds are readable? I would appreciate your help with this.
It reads 1,04,18
